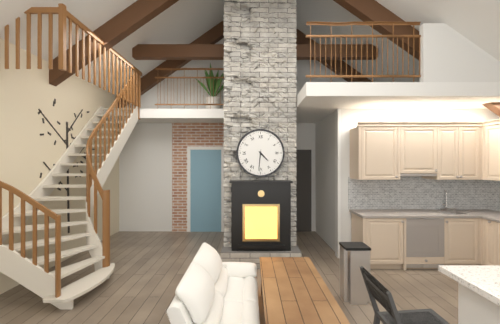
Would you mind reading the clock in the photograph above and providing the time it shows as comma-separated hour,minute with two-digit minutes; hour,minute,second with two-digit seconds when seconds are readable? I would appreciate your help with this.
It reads 4,31
